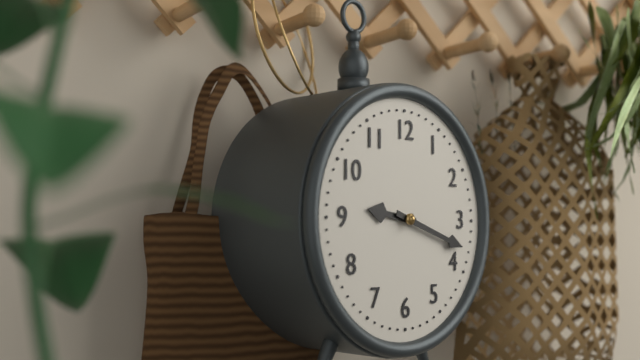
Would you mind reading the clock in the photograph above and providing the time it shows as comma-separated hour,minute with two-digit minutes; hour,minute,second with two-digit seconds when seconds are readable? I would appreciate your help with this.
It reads 9,18
